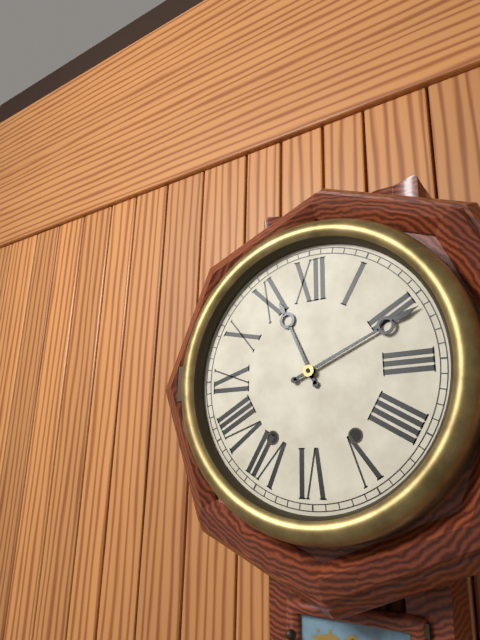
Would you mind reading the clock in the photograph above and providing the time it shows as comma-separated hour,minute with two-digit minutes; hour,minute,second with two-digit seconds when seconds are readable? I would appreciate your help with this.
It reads 11,11
